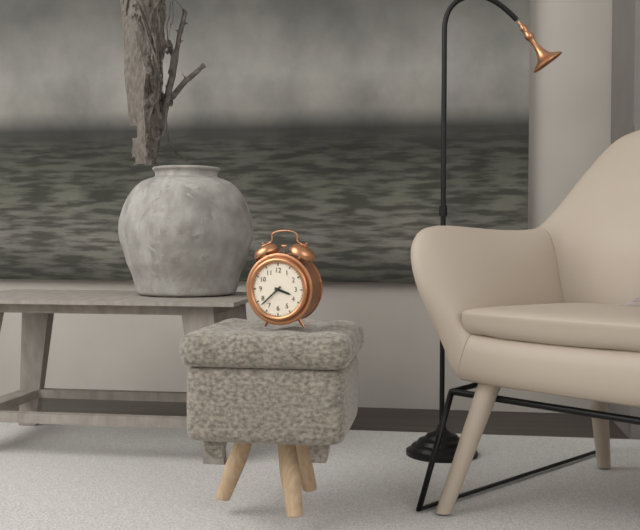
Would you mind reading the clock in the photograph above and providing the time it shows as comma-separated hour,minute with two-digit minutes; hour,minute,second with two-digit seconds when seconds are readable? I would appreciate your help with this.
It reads 3,38
